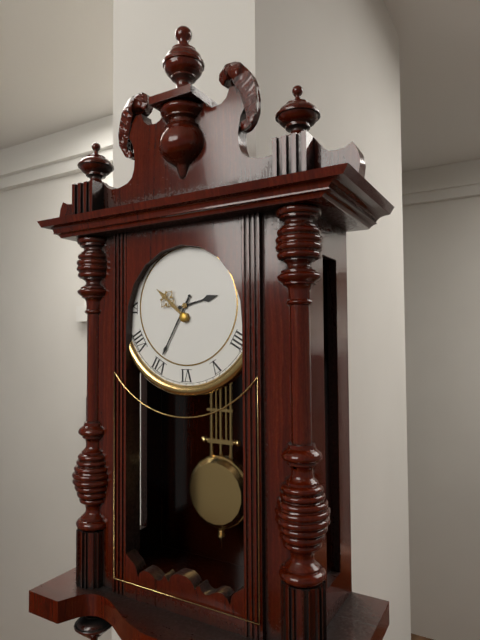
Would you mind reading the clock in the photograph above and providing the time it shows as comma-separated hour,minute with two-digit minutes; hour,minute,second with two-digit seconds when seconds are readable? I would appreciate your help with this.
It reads 2,35
